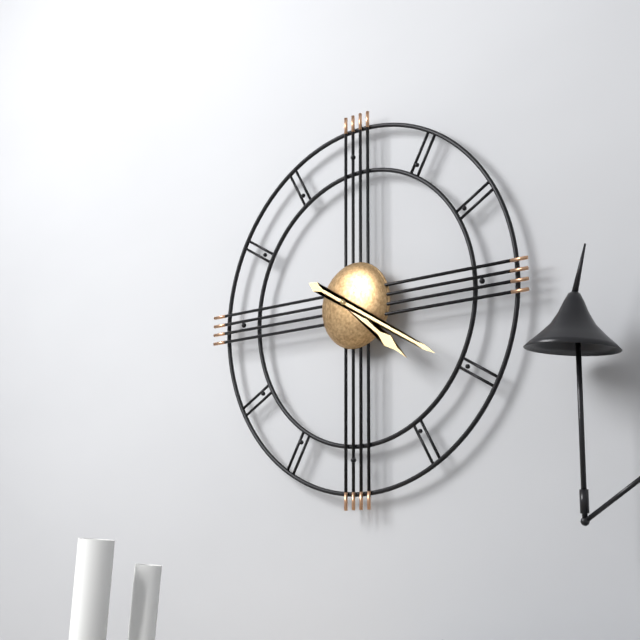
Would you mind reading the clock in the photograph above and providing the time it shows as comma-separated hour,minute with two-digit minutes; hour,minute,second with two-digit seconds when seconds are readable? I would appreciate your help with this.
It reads 4,20
